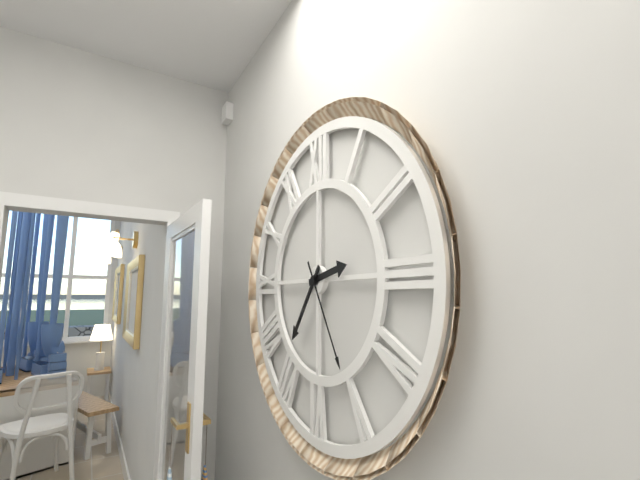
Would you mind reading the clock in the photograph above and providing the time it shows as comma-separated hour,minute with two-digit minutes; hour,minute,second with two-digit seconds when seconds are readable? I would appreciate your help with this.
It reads 2,36,25
